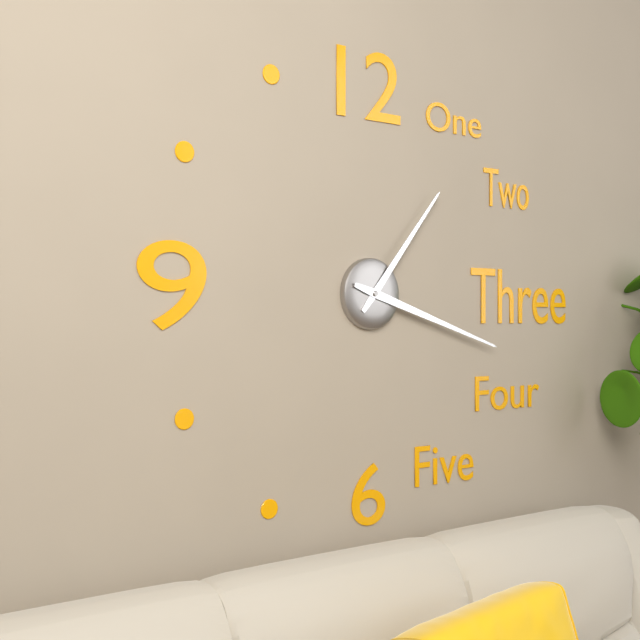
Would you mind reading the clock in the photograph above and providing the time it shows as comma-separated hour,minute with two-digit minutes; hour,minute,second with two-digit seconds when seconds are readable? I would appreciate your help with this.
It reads 1,18
